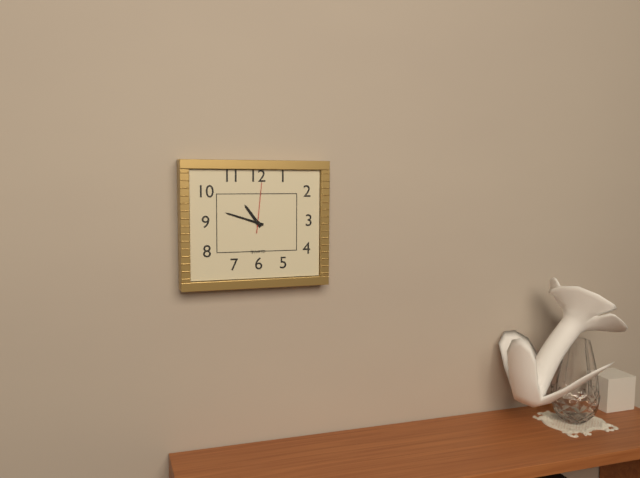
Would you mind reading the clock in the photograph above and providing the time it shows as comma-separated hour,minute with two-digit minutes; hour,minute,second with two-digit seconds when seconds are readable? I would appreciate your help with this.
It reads 10,48,01
